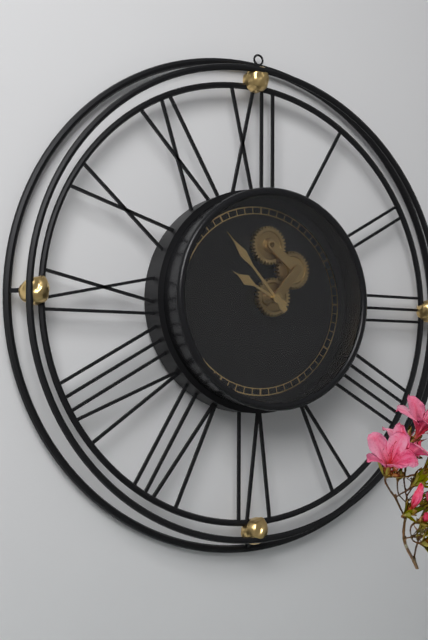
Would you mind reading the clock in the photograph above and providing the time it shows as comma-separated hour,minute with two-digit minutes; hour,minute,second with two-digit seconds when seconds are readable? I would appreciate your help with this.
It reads 9,53
